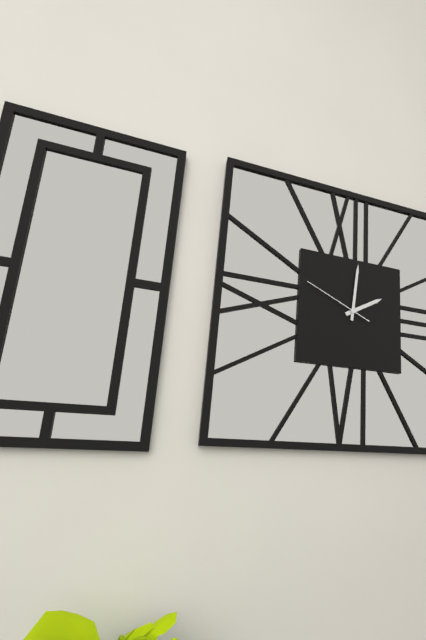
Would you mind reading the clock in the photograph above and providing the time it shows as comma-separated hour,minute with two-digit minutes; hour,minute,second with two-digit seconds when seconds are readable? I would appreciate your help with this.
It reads 2,01,49
